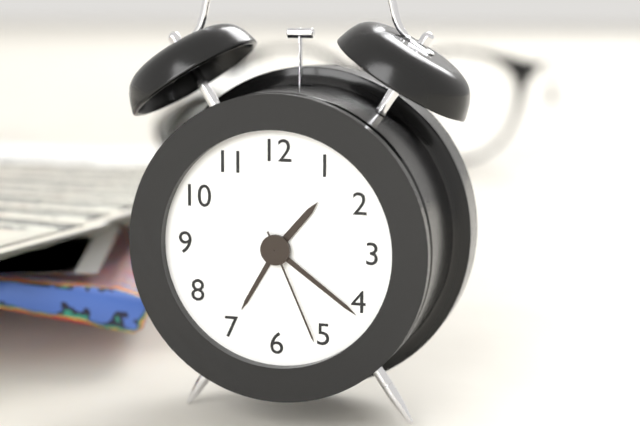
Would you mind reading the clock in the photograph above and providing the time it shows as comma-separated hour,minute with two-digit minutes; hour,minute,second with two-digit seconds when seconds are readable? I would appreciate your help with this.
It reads 1,21,26
